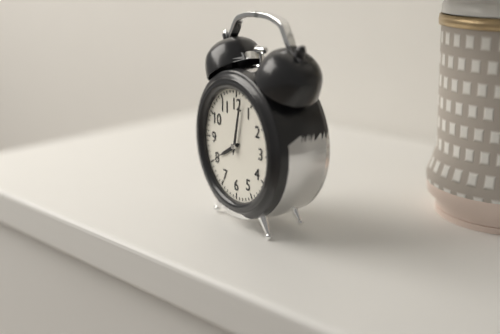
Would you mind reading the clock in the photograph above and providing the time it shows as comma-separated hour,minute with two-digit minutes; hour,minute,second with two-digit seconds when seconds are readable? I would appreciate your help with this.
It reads 8,02
